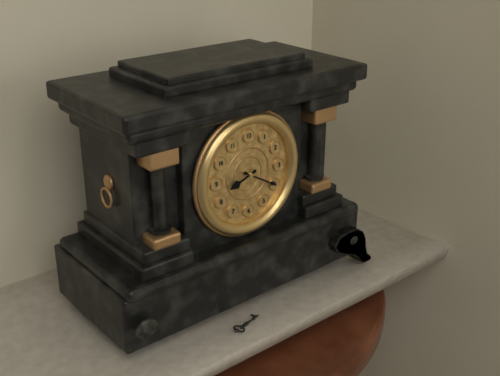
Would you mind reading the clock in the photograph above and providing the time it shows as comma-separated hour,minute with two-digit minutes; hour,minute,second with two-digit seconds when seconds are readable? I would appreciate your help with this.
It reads 8,20
